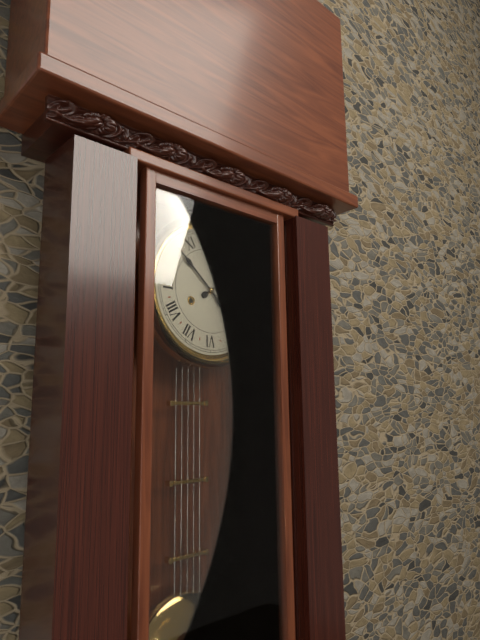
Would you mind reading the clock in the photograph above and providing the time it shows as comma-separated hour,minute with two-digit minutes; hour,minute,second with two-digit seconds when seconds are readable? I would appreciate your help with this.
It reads 1,52
